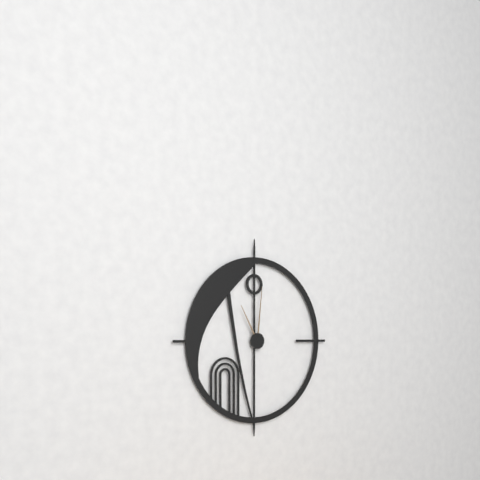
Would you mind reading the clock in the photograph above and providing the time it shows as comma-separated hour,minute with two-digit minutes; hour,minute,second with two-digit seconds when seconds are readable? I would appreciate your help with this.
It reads 11,01
